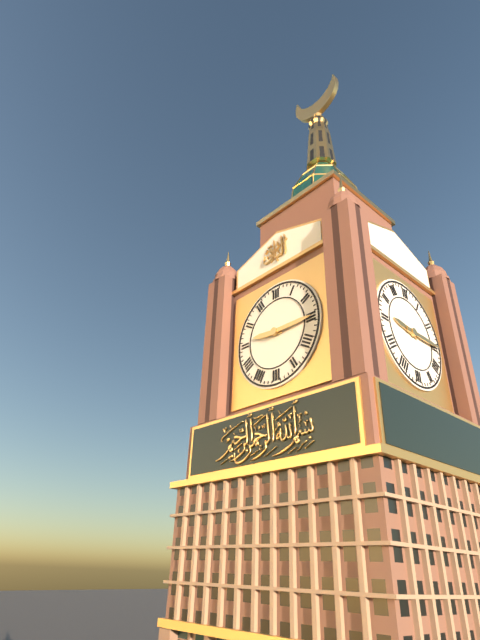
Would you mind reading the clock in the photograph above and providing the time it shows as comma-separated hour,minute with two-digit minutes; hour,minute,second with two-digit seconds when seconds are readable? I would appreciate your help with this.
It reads 9,15
